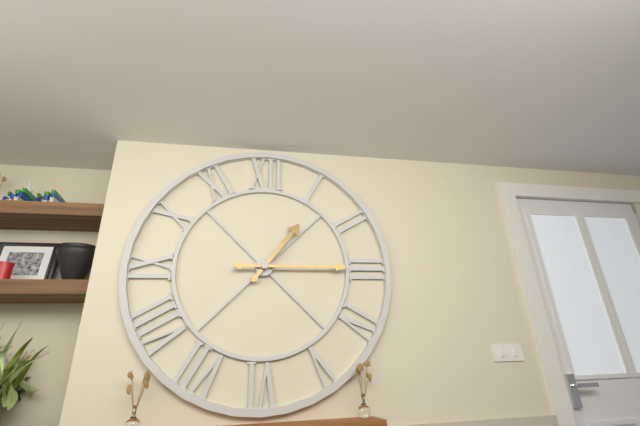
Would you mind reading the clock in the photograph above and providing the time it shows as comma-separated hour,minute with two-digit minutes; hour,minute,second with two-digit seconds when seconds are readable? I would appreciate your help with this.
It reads 1,15
